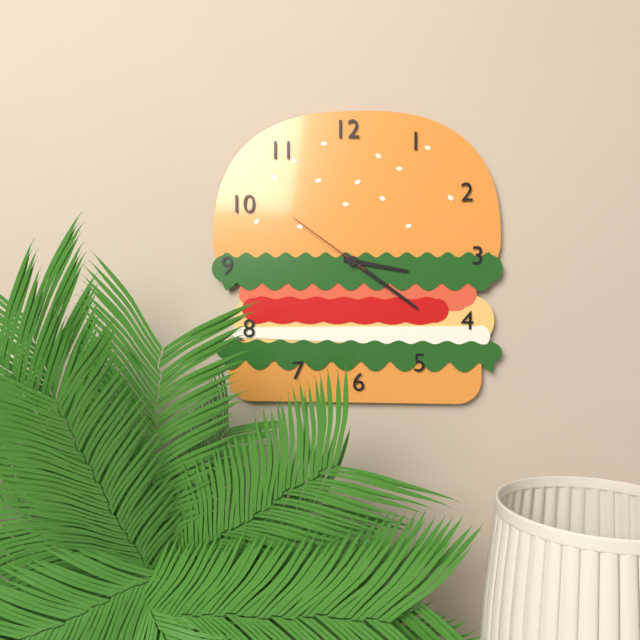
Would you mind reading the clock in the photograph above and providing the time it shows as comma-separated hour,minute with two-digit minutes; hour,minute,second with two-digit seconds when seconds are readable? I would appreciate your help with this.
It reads 3,21,51
